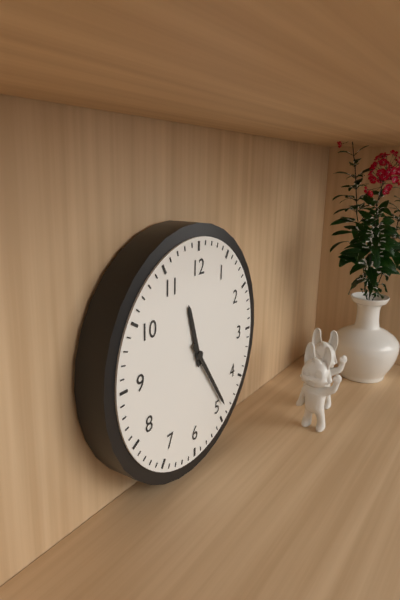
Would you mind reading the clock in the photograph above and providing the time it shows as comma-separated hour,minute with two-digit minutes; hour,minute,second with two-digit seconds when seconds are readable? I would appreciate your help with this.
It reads 11,24
